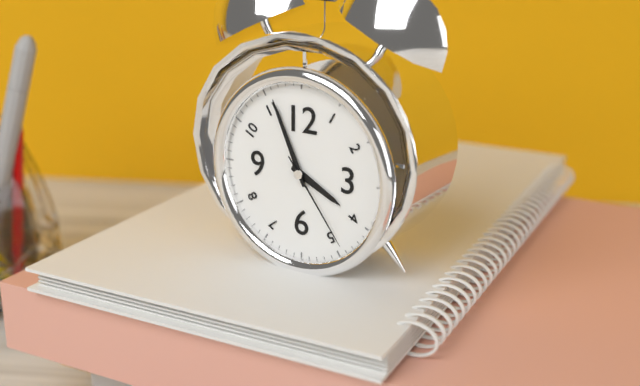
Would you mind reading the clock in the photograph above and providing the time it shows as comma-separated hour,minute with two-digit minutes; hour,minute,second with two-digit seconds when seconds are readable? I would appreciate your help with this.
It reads 3,56,24
